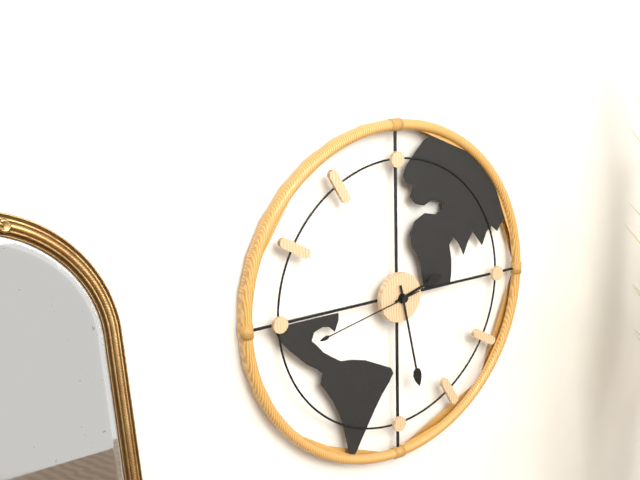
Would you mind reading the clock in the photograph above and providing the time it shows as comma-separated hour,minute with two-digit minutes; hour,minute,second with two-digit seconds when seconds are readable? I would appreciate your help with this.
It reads 2,28,43
